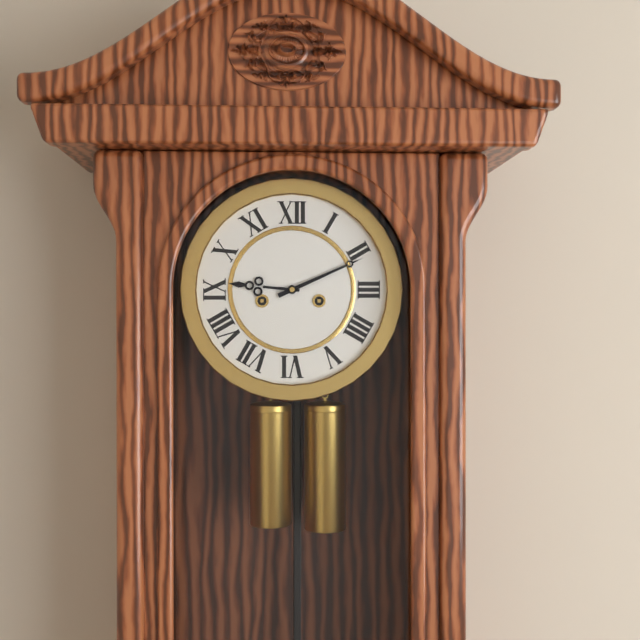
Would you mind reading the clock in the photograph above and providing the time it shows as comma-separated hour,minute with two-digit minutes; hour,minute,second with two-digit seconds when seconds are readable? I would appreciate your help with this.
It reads 9,11
